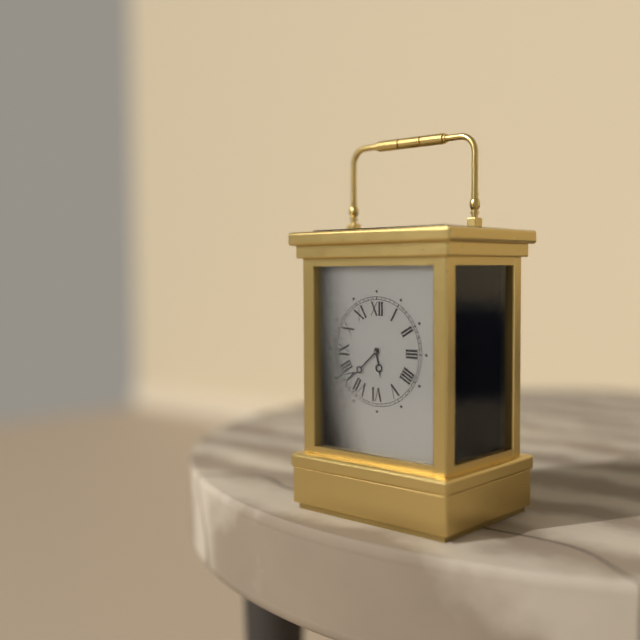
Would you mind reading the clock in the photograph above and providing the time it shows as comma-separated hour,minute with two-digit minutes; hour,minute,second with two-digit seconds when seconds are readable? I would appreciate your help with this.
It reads 5,38
